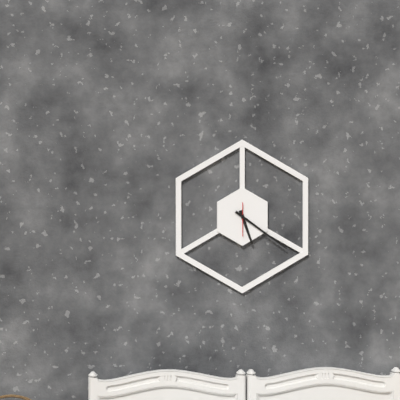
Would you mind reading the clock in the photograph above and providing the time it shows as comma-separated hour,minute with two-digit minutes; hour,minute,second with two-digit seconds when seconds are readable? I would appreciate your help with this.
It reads 5,21
